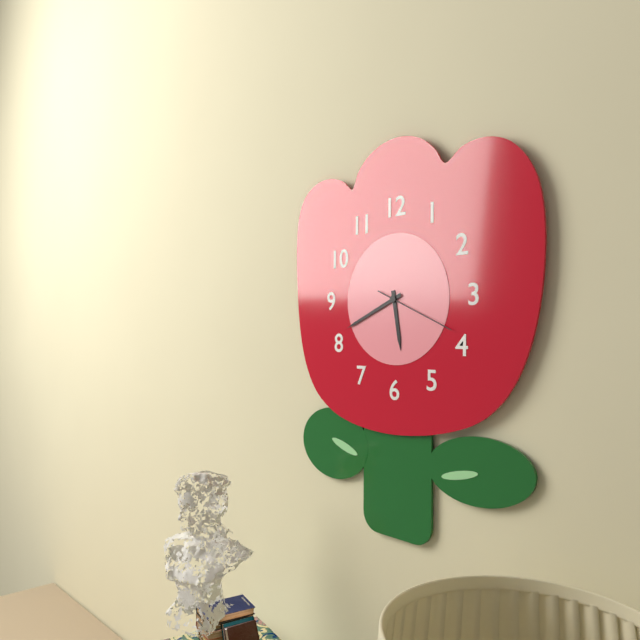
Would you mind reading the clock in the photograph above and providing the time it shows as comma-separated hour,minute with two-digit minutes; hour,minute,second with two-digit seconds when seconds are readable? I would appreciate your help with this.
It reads 5,41,19
